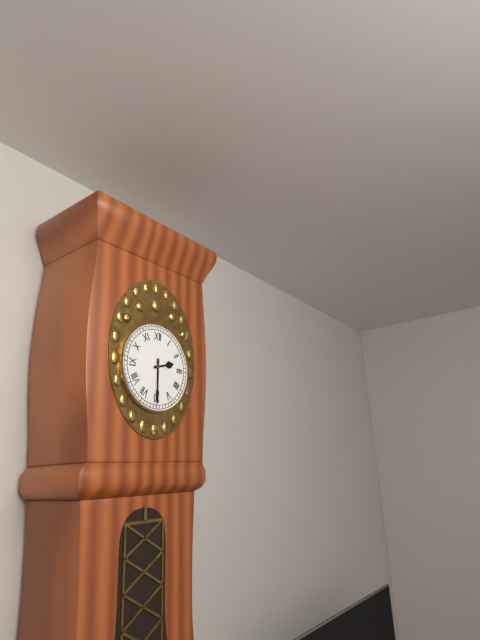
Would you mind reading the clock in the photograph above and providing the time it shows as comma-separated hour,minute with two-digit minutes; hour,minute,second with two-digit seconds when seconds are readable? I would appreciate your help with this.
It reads 2,30
